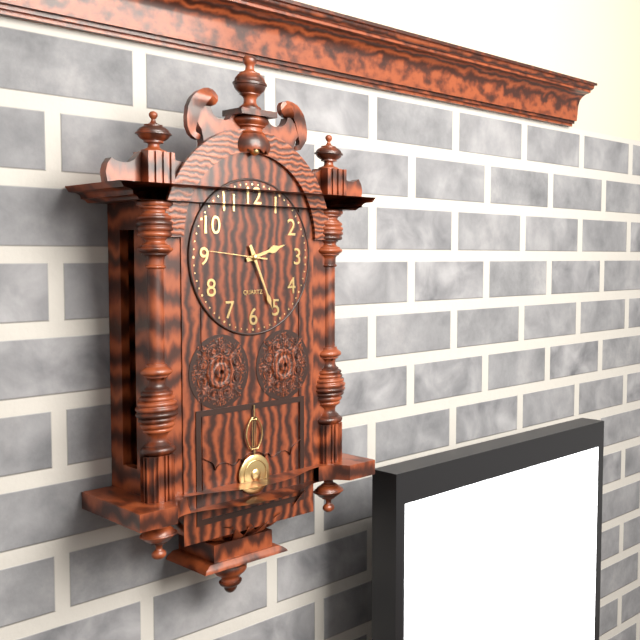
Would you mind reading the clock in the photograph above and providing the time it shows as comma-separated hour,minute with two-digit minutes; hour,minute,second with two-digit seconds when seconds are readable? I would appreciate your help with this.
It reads 2,26,46
